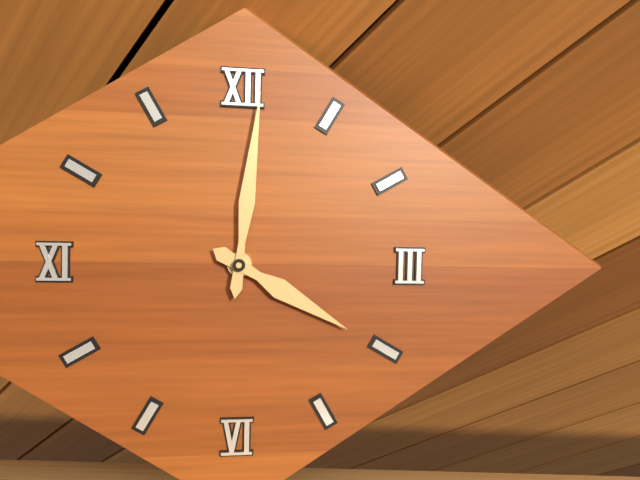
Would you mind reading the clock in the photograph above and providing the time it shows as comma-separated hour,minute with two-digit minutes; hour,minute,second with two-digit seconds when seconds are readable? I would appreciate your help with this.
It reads 4,01
